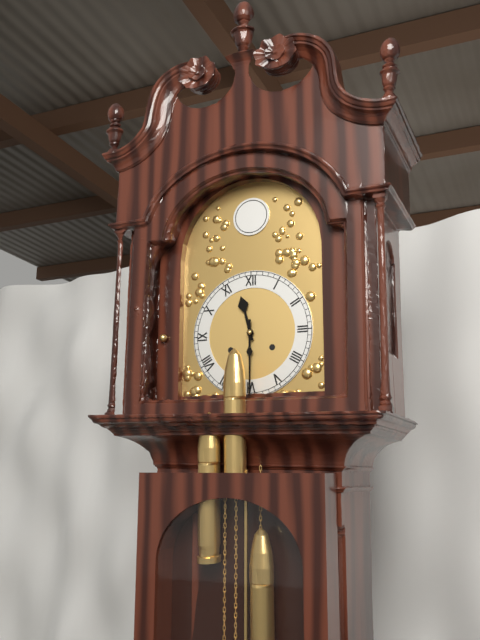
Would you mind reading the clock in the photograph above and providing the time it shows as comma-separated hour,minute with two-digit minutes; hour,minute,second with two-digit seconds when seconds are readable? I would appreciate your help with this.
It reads 11,30
